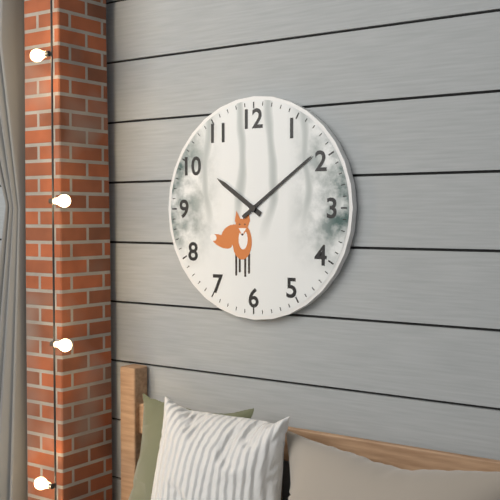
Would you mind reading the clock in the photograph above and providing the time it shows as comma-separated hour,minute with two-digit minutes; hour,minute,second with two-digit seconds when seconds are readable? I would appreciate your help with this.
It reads 10,09
